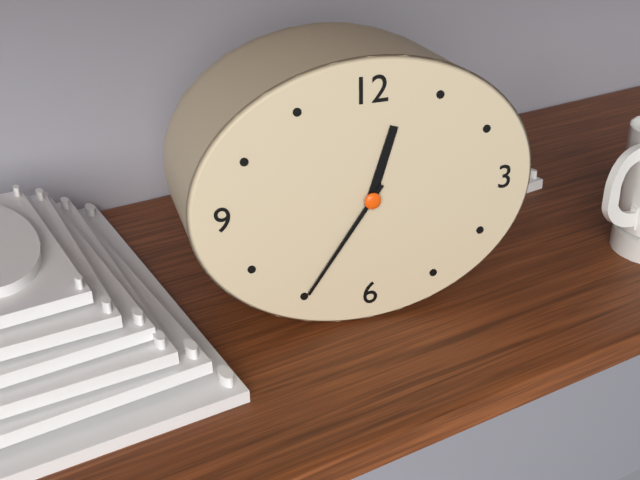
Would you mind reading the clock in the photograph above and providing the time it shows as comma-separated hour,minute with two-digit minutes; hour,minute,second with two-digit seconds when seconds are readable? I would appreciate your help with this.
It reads 12,36
